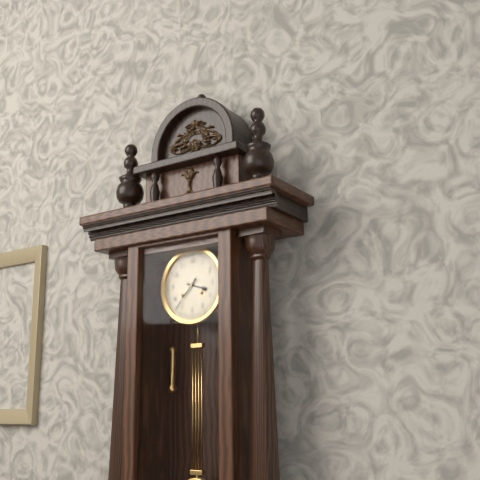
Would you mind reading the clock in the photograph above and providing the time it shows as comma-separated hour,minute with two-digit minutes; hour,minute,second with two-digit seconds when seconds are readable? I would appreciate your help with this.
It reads 3,37
